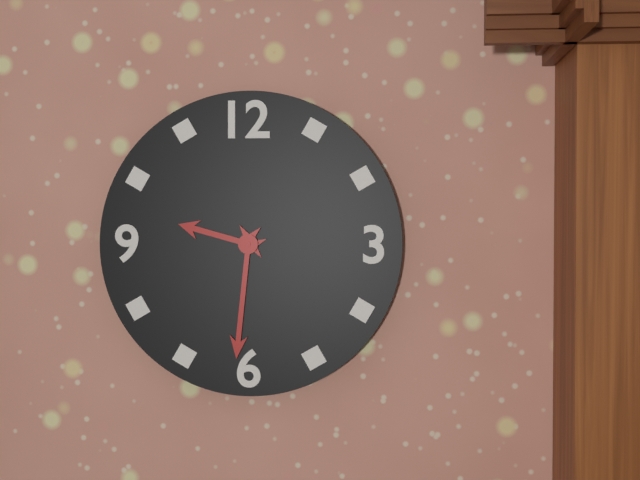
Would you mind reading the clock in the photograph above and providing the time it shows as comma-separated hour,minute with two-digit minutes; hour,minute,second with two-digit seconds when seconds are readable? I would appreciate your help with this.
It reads 9,31
